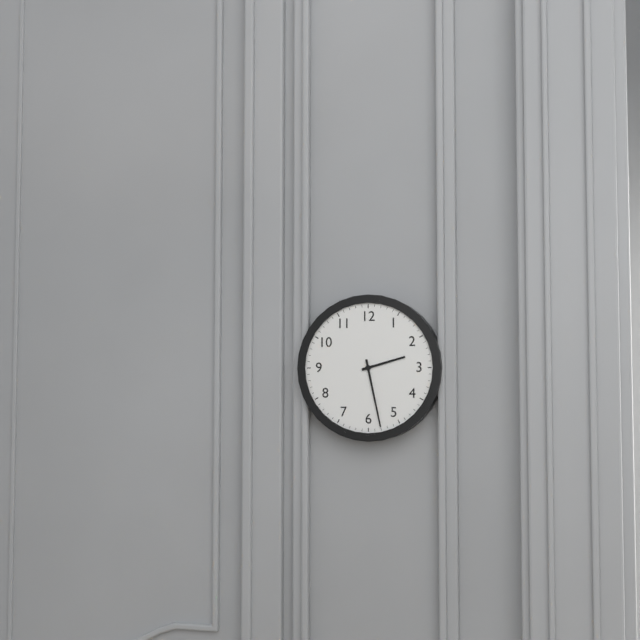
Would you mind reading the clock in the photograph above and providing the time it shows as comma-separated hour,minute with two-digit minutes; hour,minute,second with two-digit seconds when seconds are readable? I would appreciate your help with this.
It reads 2,28
